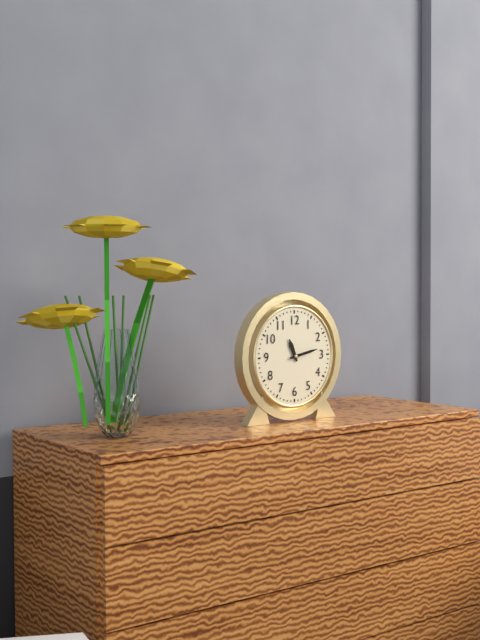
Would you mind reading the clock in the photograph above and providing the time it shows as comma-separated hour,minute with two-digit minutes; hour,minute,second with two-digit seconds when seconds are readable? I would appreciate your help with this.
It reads 11,13
